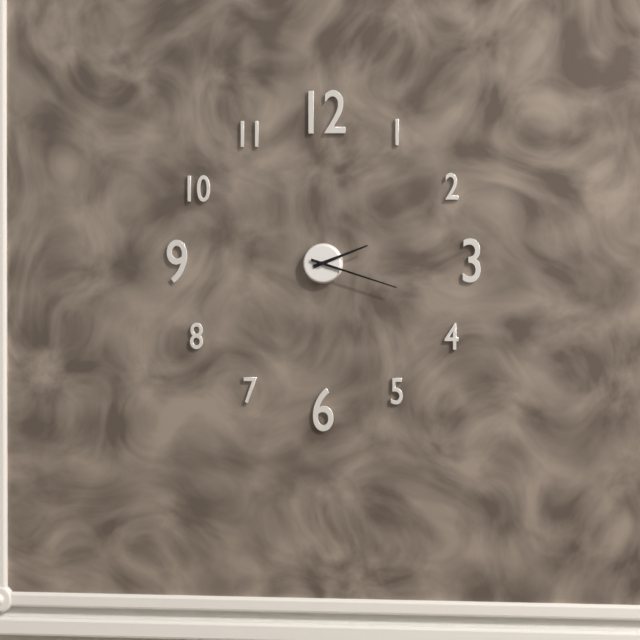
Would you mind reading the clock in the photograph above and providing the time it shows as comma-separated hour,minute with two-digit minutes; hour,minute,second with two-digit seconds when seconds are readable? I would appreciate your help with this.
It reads 2,18
